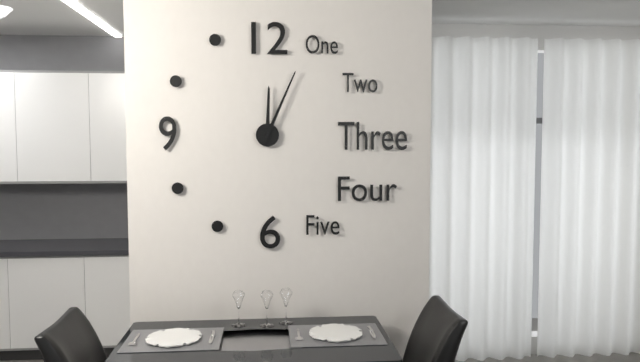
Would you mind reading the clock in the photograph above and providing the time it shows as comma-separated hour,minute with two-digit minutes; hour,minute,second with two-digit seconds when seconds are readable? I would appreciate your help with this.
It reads 12,04
